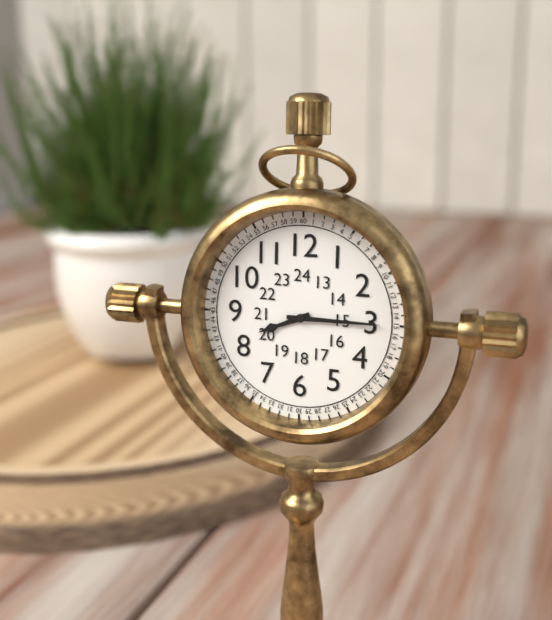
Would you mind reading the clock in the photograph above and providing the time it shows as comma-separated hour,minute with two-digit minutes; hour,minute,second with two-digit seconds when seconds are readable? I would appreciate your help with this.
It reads 8,15
